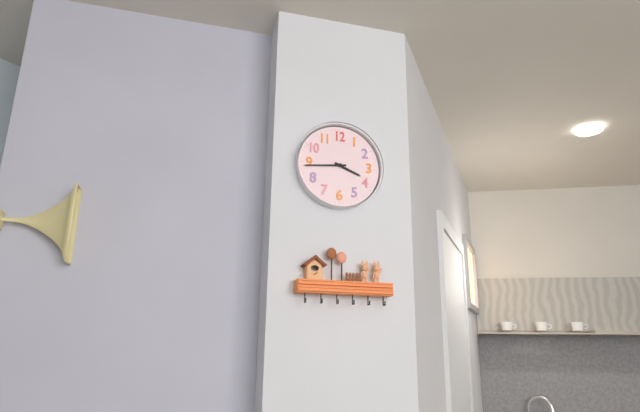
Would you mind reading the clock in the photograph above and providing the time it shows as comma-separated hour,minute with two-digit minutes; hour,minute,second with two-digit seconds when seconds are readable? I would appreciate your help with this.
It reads 3,44
